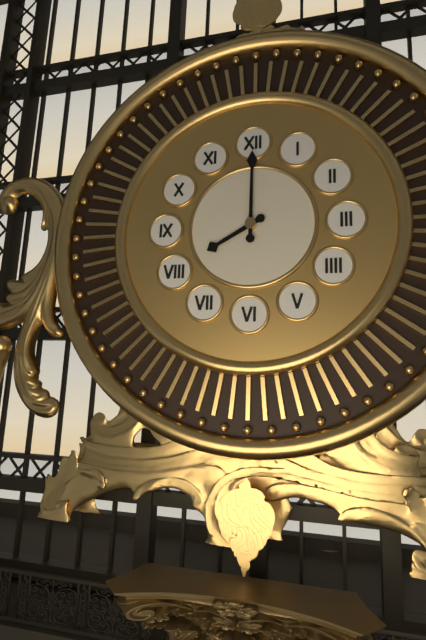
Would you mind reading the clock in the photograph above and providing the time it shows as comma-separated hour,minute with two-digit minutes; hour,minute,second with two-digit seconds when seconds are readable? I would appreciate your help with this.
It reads 8,00
